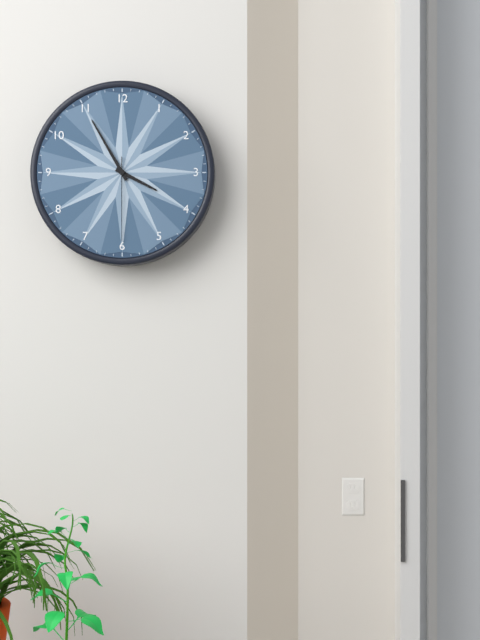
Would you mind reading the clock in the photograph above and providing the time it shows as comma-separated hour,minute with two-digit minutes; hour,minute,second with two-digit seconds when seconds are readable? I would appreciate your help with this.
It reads 3,55,30
